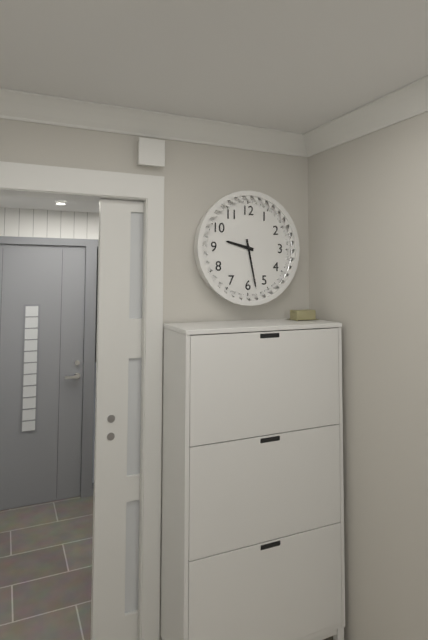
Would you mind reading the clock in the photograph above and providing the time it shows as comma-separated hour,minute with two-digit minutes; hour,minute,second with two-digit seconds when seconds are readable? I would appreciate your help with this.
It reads 9,28
